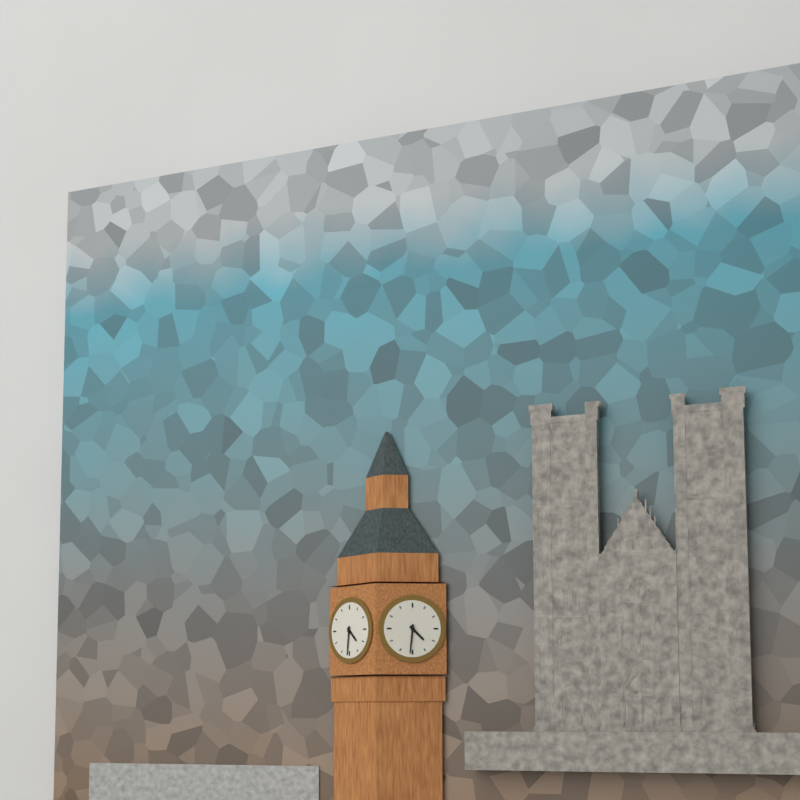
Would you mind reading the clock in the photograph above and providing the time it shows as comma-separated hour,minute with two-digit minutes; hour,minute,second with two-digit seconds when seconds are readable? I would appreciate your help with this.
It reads 4,31
